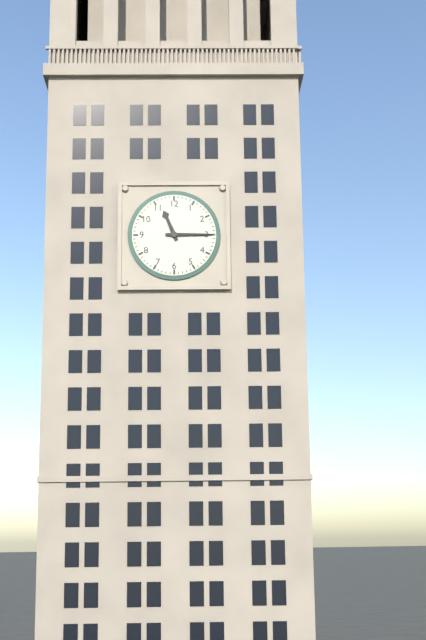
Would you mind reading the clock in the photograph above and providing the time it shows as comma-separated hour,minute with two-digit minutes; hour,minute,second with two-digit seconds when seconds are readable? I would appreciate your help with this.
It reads 11,15
